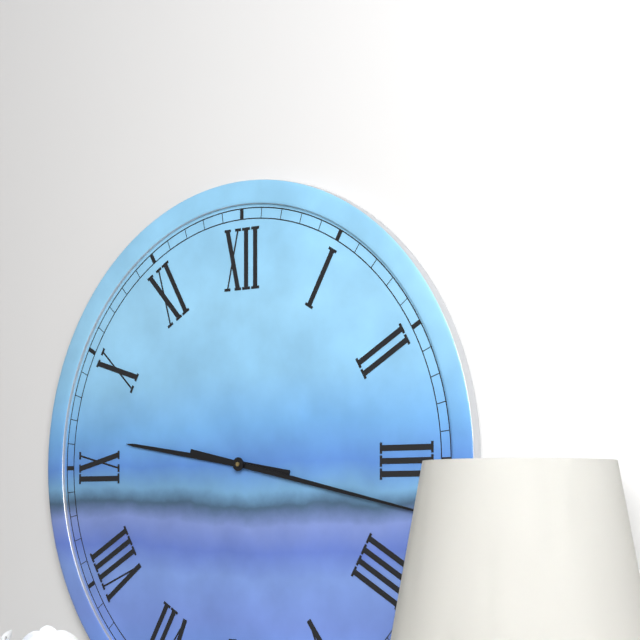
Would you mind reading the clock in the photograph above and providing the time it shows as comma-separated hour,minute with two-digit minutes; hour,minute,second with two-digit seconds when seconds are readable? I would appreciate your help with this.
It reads 9,17
